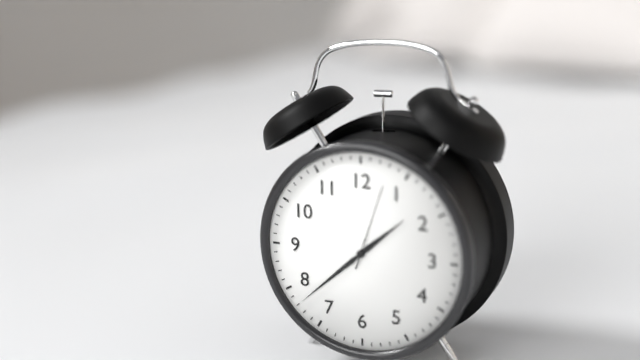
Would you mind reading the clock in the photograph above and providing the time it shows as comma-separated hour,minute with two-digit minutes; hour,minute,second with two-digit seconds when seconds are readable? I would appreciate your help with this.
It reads 1,38,03
